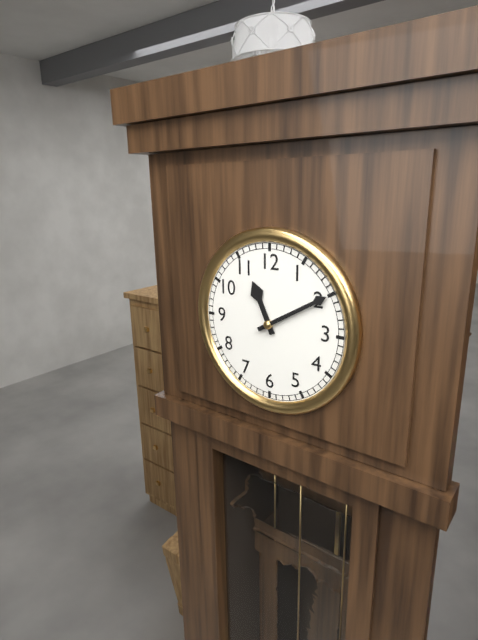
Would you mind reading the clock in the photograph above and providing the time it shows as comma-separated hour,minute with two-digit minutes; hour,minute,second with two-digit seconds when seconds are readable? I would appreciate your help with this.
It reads 11,10
